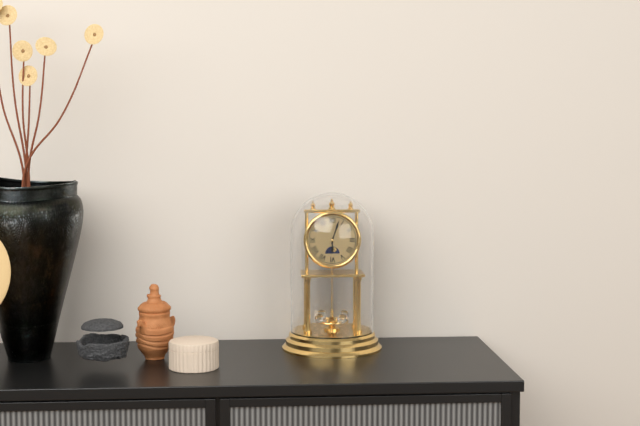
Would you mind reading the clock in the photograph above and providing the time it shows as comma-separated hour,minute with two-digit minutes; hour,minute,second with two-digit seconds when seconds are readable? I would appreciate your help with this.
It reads 6,03
